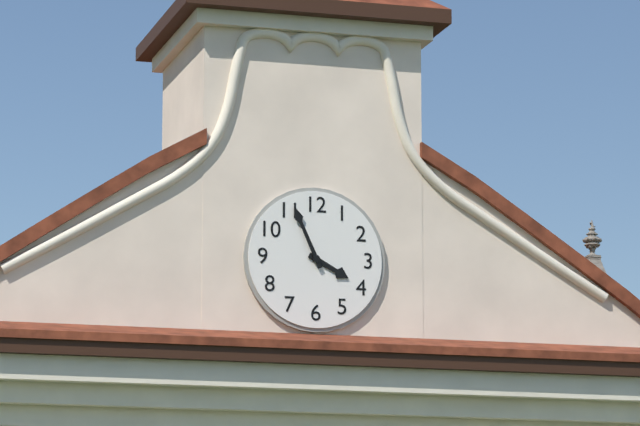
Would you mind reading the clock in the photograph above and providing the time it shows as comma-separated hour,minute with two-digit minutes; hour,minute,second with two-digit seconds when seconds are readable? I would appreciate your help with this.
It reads 3,56
